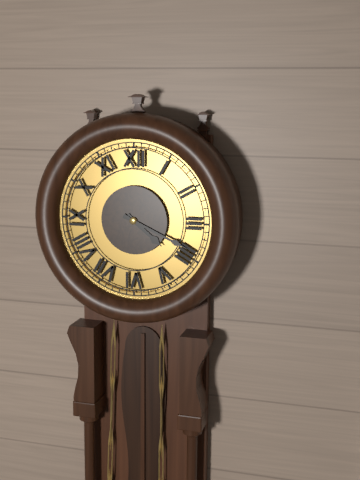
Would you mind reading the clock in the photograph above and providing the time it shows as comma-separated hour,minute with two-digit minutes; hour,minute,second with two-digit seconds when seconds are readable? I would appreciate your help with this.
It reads 4,19
